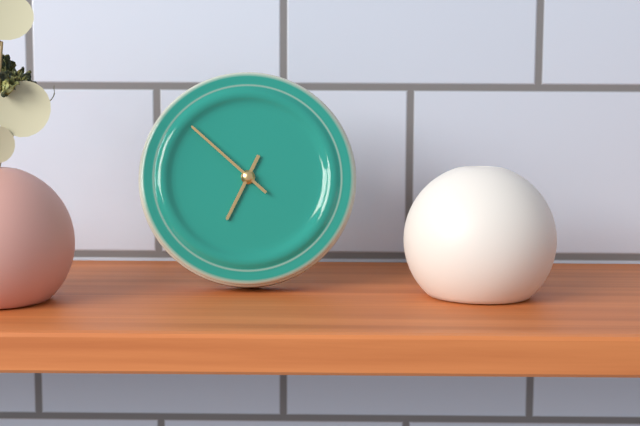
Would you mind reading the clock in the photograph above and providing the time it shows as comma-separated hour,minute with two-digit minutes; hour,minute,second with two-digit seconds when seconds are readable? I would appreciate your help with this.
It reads 6,52
